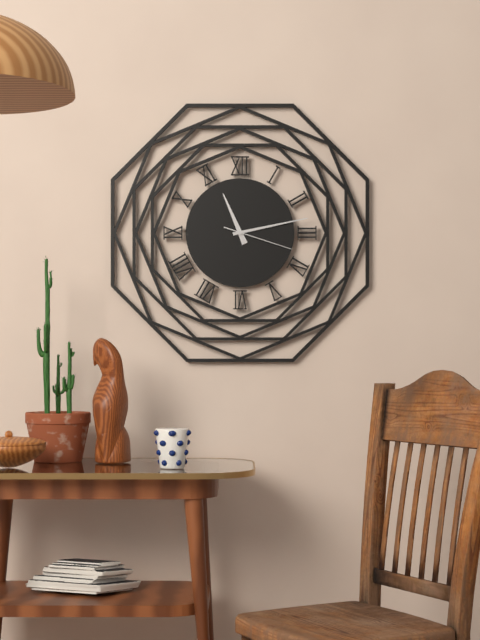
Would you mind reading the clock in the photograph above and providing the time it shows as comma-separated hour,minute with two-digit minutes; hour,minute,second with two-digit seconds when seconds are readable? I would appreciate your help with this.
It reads 11,13,18
